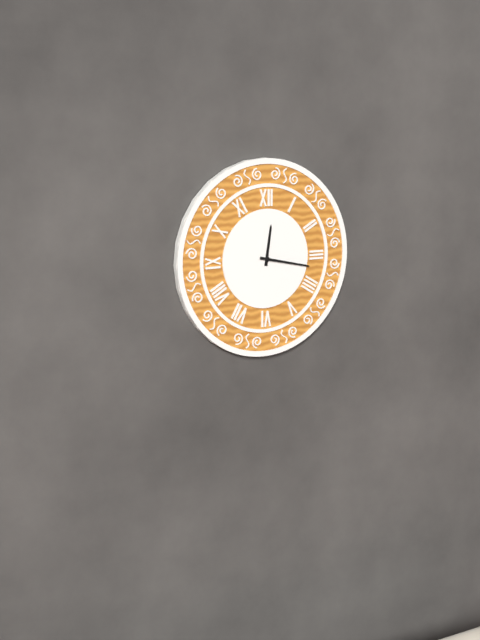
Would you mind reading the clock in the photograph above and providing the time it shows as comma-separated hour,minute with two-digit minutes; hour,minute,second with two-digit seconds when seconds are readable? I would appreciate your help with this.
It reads 12,17
